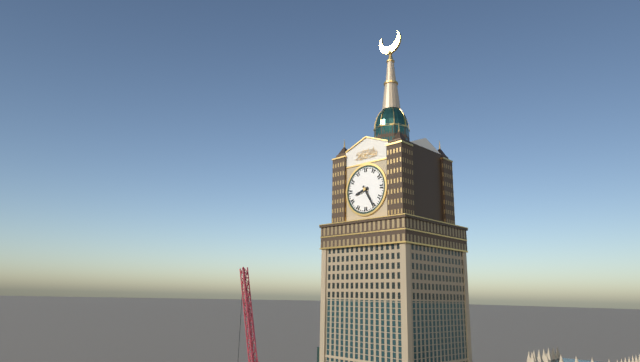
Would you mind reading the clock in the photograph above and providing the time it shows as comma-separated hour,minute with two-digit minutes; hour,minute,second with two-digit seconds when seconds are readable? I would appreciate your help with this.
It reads 8,25
